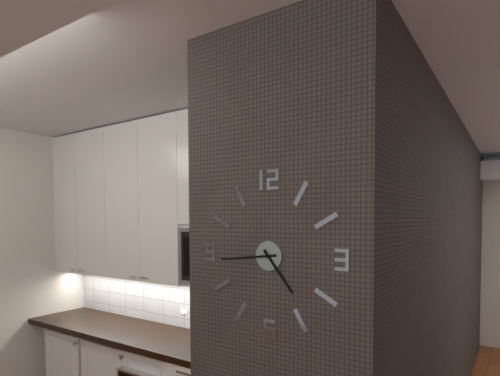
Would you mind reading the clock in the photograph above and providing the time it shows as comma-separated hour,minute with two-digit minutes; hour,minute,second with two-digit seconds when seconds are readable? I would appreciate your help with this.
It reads 4,44
